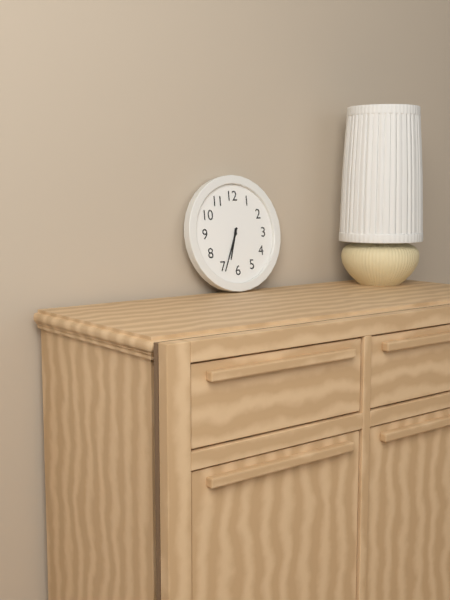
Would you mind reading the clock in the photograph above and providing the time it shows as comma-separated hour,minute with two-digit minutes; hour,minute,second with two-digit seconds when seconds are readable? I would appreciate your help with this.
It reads 6,34
